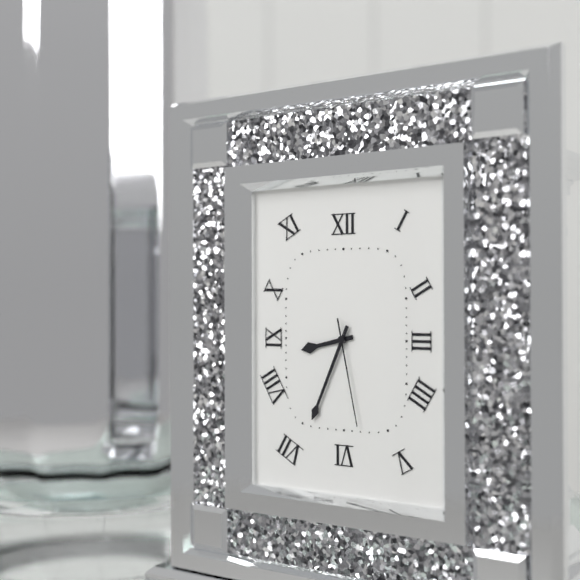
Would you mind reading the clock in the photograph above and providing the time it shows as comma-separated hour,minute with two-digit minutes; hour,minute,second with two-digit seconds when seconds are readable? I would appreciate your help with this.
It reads 8,34,28
